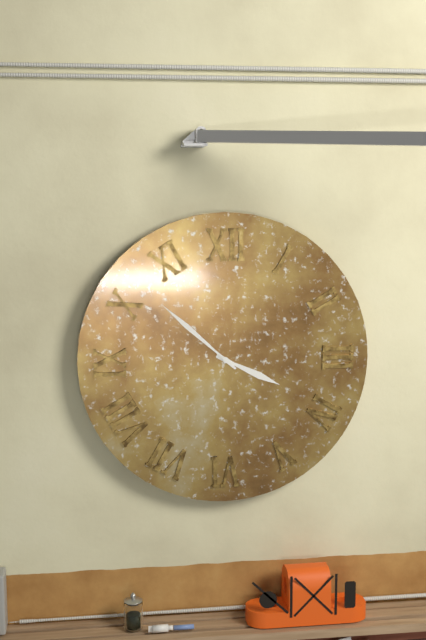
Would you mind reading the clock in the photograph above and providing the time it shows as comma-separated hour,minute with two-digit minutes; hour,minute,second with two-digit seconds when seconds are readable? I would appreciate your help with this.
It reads 3,52
